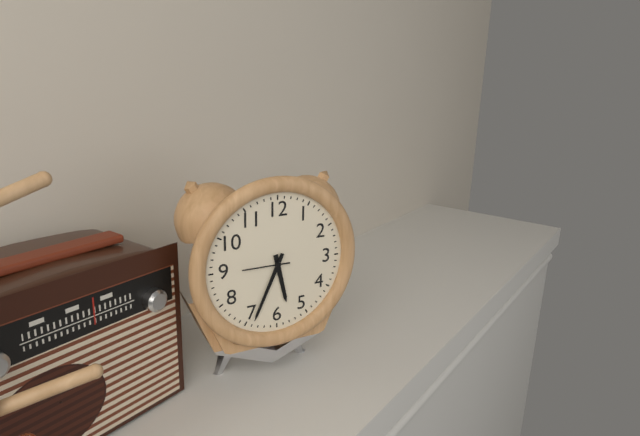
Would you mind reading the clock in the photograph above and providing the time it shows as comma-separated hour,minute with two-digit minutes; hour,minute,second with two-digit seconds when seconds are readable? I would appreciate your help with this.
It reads 5,34
